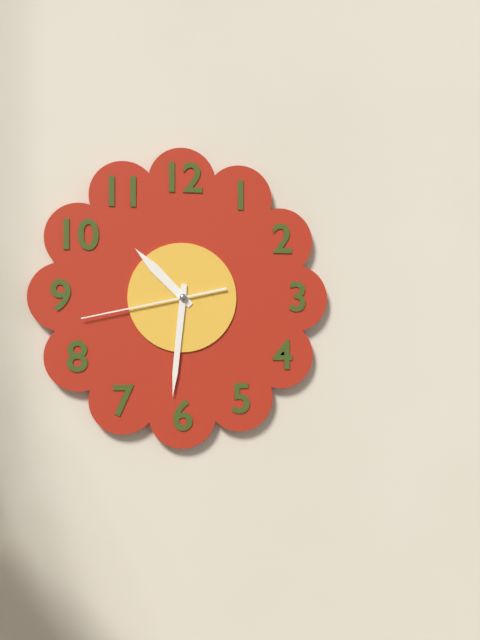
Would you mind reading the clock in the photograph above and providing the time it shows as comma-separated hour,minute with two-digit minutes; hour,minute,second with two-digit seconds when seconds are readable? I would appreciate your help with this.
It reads 10,31,43
